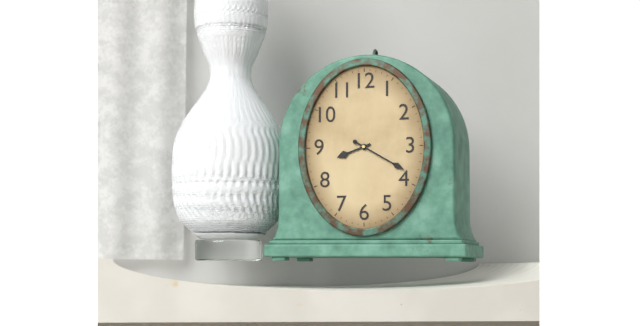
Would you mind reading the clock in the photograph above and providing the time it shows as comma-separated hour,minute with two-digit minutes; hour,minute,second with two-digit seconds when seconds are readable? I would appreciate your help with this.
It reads 8,20
